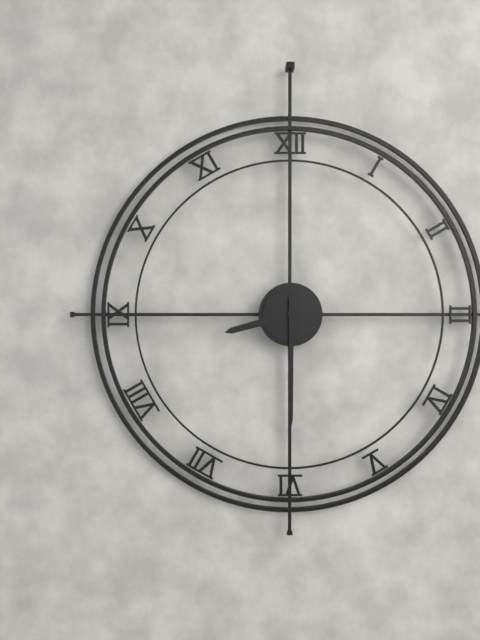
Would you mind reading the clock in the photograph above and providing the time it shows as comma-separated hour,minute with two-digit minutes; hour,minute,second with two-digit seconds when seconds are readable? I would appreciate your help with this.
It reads 8,30
